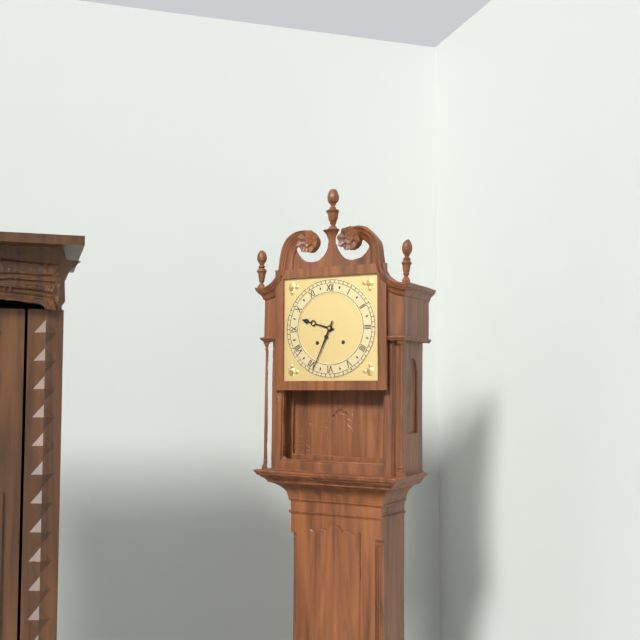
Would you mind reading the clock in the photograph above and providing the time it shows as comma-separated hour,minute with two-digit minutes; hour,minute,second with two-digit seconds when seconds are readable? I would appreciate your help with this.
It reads 9,34
